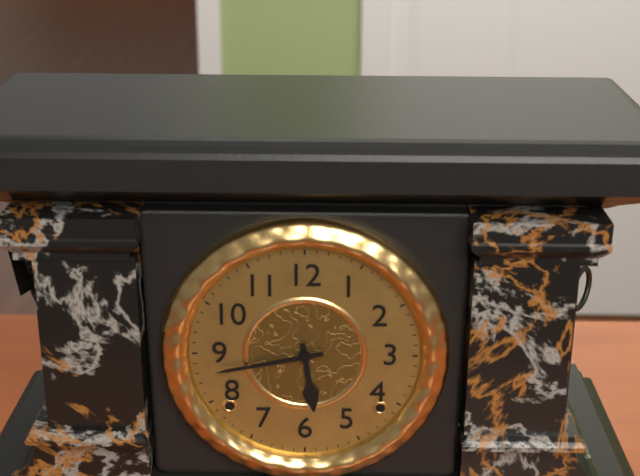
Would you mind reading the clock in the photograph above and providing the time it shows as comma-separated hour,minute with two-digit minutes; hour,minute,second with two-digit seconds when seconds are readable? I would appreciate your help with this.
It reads 5,43
